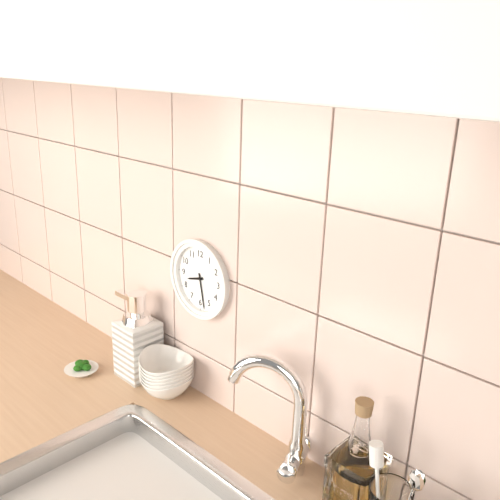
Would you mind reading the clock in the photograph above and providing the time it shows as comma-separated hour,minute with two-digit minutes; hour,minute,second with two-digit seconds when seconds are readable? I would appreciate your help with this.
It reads 8,28
